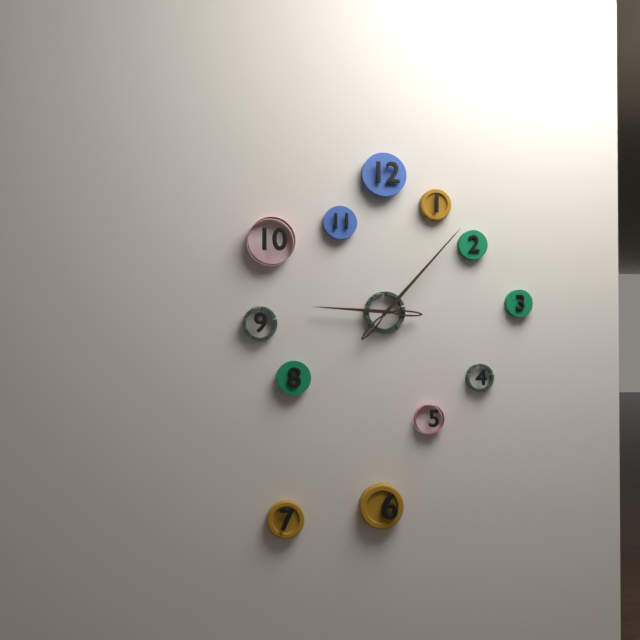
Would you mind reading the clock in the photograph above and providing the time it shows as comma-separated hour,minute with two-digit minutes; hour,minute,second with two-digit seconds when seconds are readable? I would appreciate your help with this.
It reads 9,07
